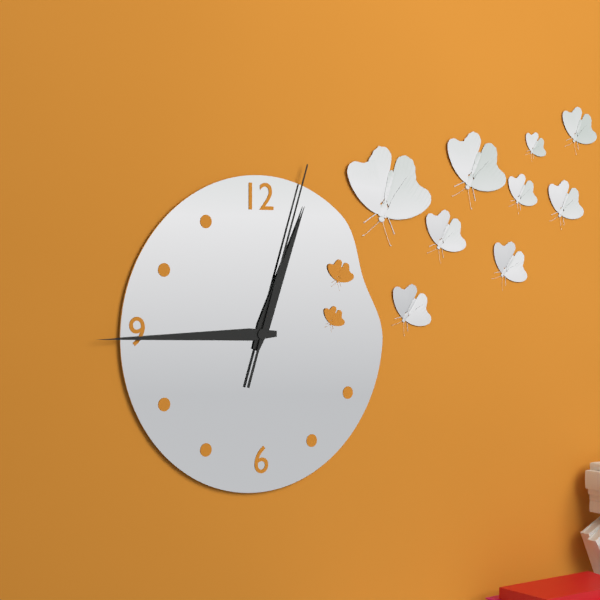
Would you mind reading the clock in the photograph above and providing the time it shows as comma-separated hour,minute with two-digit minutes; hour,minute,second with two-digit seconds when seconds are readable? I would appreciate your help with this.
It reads 12,45,03
